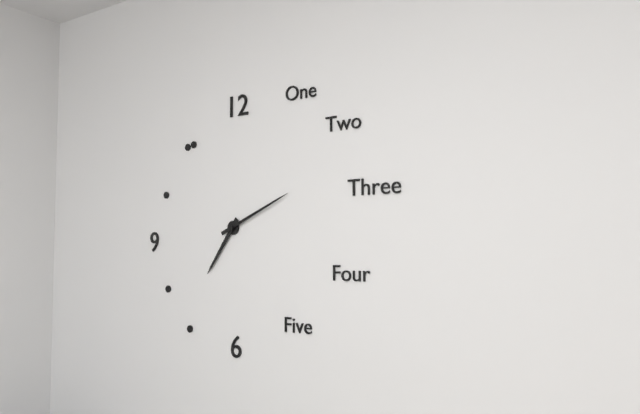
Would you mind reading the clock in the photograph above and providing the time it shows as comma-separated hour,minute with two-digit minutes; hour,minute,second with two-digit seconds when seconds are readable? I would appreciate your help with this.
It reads 7,11
